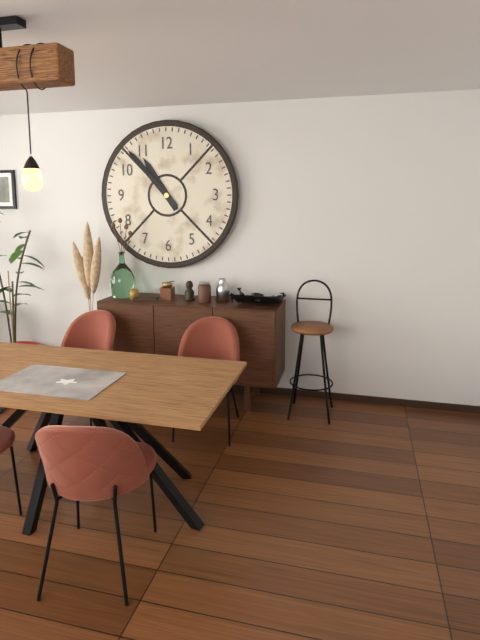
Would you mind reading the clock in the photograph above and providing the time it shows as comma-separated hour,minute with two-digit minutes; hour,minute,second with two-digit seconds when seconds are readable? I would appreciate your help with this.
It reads 10,53
